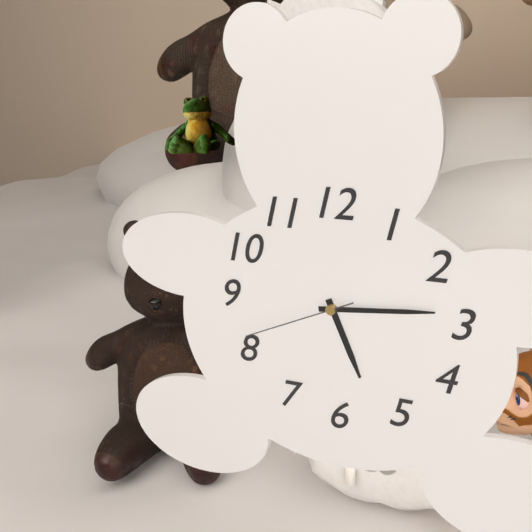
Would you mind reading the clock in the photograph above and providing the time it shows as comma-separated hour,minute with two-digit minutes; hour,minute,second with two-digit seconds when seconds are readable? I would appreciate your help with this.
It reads 5,14,41
